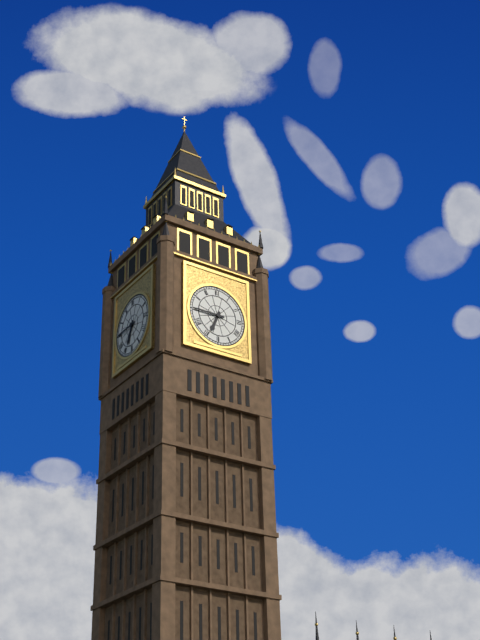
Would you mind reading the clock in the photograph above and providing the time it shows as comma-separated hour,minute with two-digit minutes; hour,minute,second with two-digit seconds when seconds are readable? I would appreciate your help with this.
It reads 6,45
